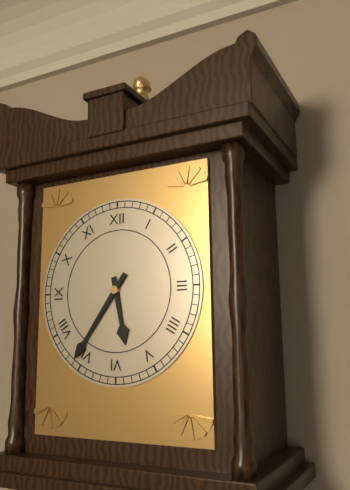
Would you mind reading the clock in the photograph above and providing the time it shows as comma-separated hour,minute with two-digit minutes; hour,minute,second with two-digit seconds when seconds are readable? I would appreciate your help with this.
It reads 5,36
